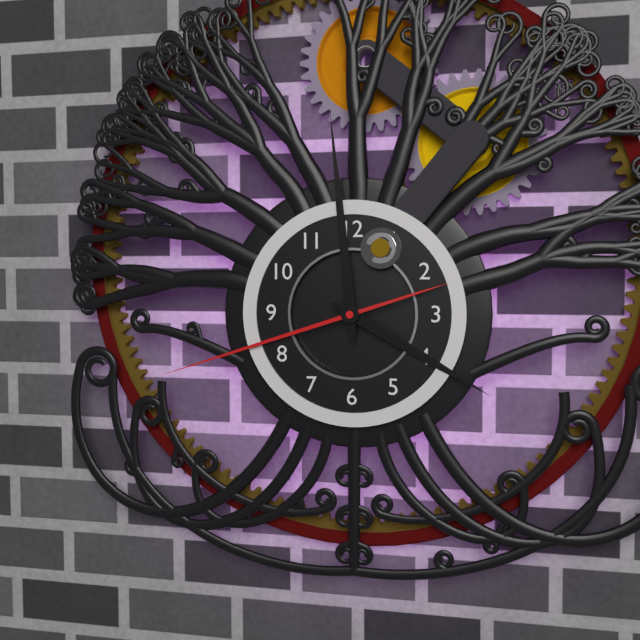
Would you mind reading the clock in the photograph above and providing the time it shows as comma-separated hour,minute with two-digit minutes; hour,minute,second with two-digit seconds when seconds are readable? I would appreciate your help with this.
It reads 3,59,42
